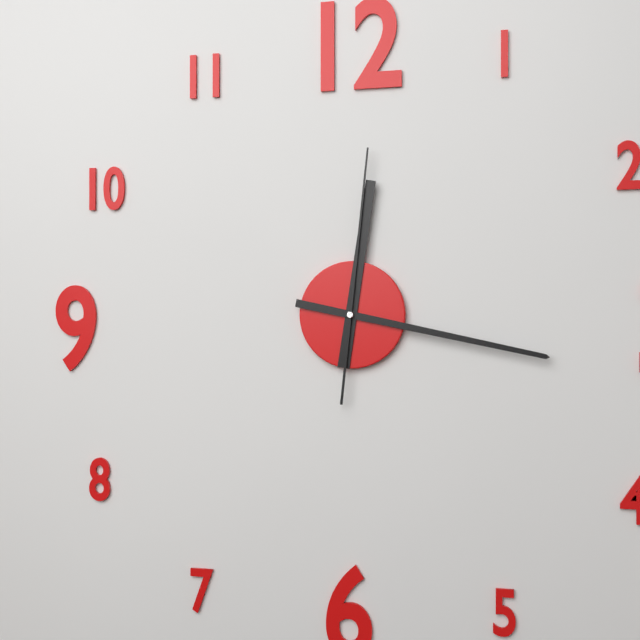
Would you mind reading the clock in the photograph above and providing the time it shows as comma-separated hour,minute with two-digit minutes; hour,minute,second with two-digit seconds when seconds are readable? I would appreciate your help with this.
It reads 12,17,01
